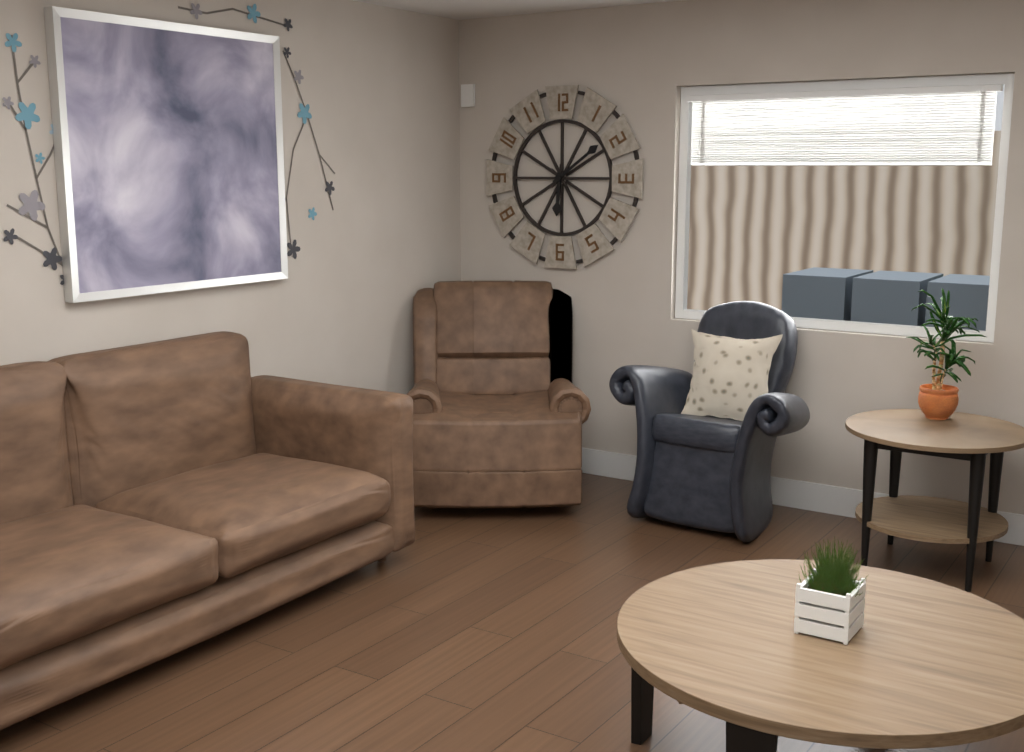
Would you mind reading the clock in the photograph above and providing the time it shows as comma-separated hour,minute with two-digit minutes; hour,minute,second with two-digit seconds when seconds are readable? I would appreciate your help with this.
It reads 6,09
